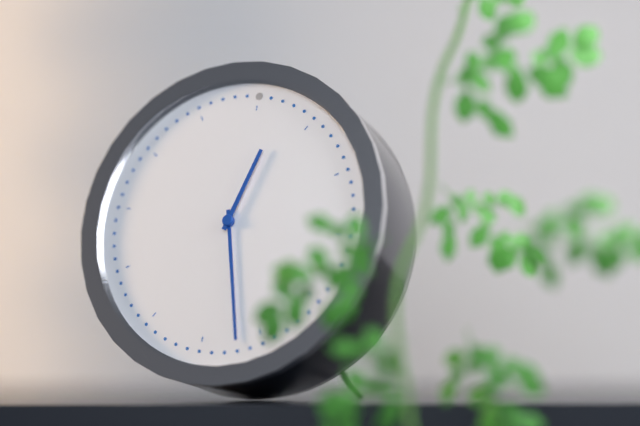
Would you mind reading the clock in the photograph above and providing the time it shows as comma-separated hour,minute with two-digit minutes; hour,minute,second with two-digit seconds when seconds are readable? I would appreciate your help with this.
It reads 12,27
